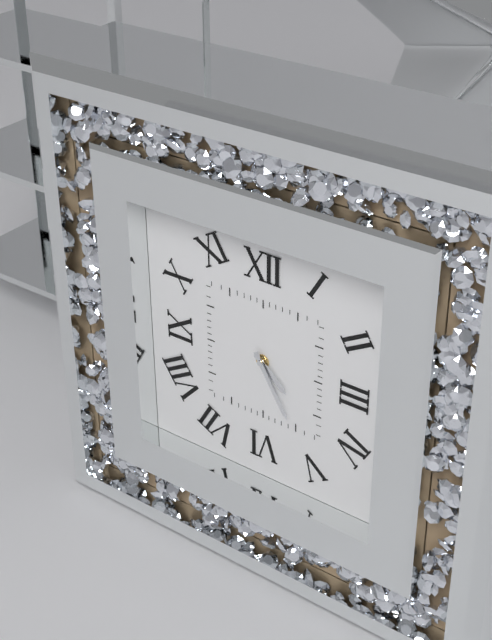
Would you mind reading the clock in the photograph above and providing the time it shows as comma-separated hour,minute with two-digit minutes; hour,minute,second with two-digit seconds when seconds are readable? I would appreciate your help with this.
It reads 4,25
